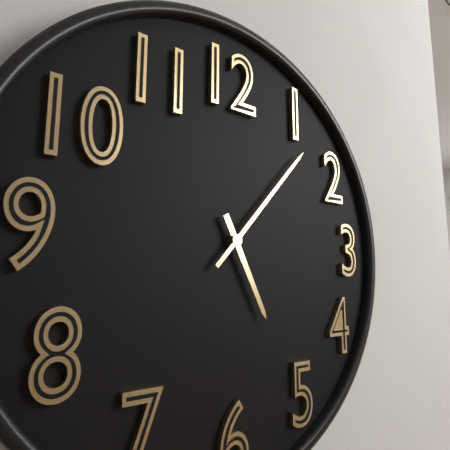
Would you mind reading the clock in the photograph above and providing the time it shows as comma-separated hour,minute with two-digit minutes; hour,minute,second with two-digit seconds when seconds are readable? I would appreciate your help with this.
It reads 5,07
